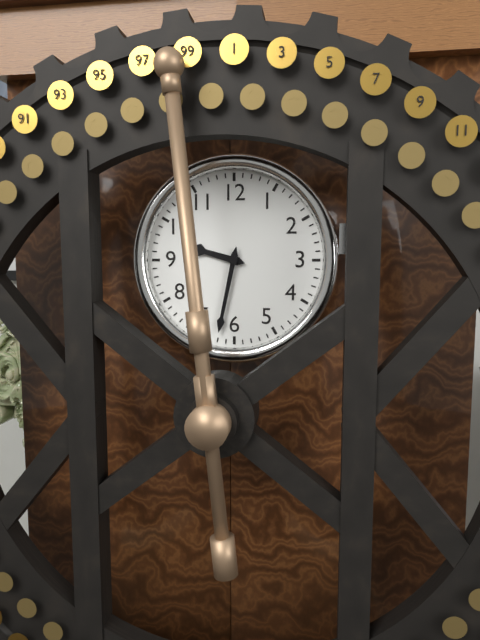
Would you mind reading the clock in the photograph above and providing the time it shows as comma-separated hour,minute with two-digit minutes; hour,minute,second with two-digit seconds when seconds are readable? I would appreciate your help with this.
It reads 9,32
